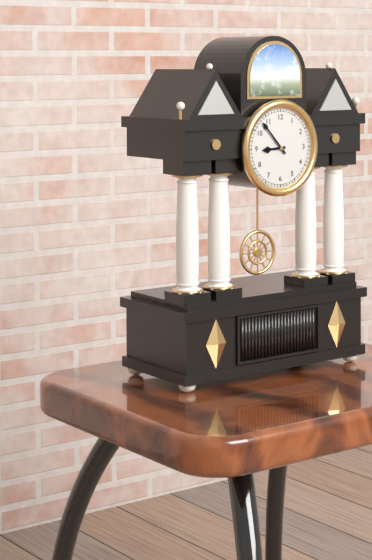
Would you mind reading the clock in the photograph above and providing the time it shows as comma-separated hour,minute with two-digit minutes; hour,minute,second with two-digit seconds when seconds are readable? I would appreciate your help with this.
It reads 8,53
